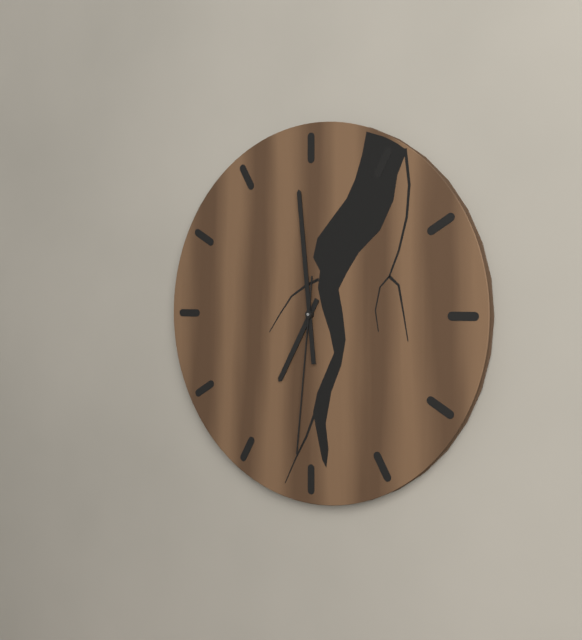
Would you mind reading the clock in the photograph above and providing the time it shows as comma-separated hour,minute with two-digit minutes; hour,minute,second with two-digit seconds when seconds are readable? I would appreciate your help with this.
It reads 6,59,31
